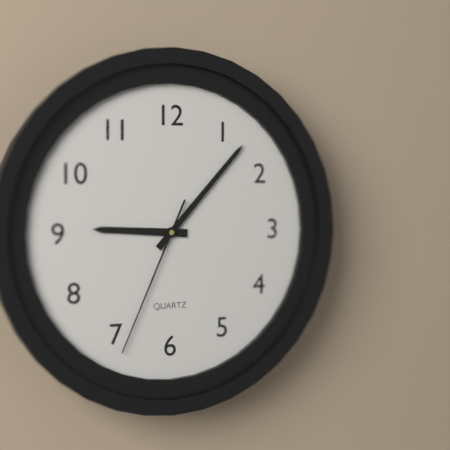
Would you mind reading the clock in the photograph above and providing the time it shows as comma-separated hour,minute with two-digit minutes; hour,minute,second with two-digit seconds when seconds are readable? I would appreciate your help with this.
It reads 9,07,34
